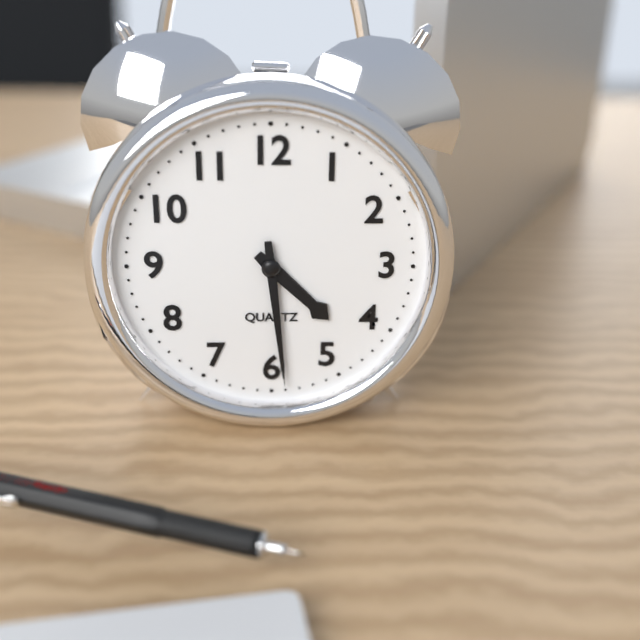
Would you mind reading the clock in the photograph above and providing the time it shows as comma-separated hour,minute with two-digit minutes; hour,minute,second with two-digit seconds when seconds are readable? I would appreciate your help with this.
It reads 4,29
